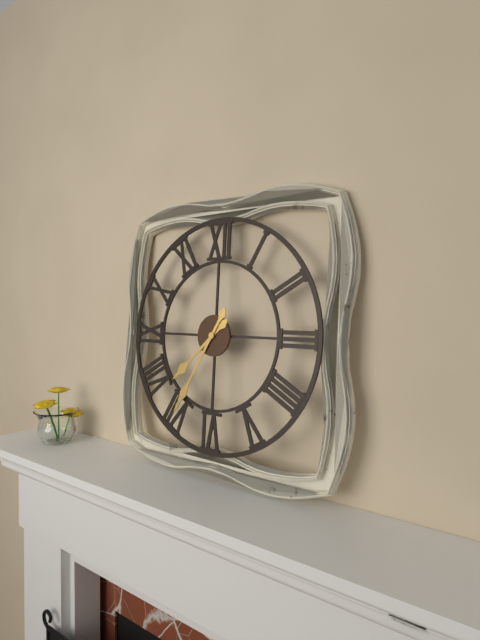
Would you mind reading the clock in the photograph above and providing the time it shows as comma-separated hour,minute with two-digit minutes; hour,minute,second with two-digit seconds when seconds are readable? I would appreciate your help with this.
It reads 7,35
